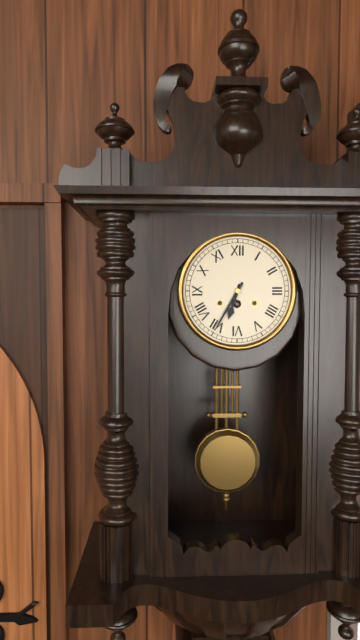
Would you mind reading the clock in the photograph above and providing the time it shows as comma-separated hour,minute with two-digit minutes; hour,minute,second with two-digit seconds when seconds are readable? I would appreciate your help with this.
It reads 6,35
